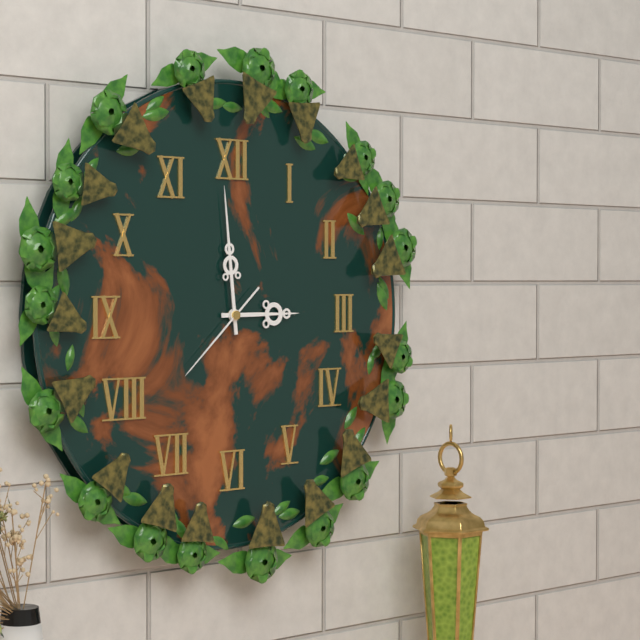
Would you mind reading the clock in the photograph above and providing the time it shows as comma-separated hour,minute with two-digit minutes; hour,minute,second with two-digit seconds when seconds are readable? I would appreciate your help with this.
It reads 2,59,38
